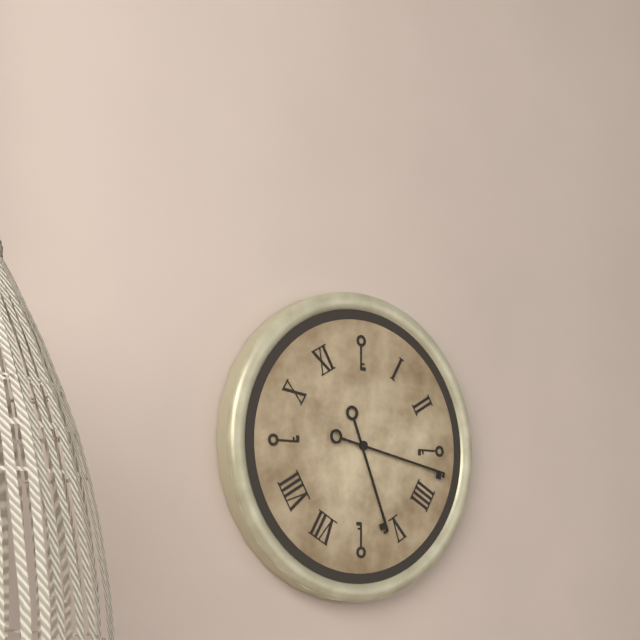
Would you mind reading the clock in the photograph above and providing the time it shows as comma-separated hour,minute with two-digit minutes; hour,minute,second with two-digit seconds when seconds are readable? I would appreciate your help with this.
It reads 5,17
